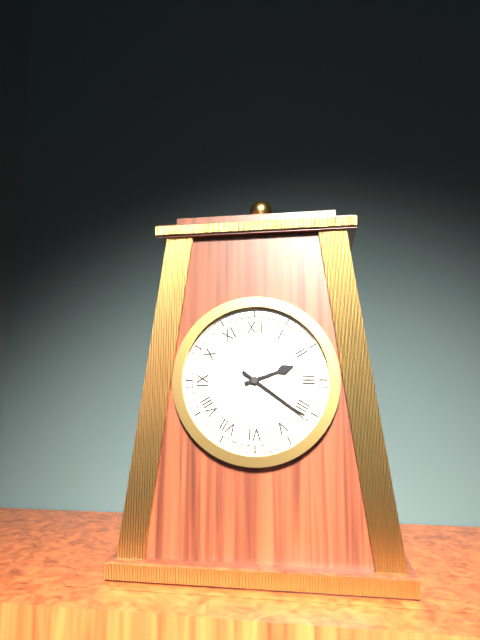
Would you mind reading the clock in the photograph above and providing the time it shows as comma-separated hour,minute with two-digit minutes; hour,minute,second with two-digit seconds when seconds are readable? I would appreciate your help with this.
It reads 2,21
